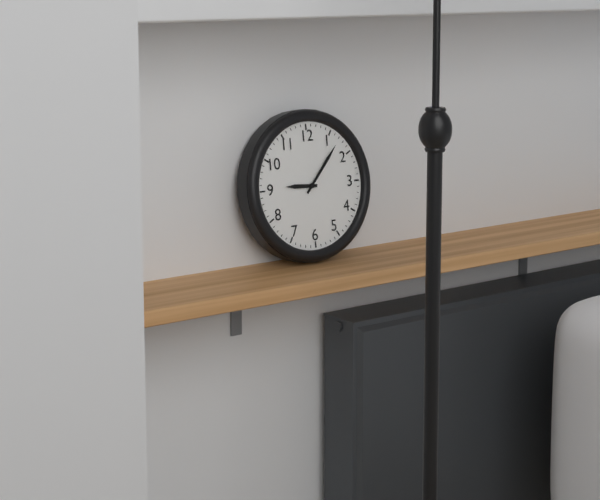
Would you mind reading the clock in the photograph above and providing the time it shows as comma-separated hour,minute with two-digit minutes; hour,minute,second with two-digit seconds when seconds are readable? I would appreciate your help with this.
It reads 9,07
